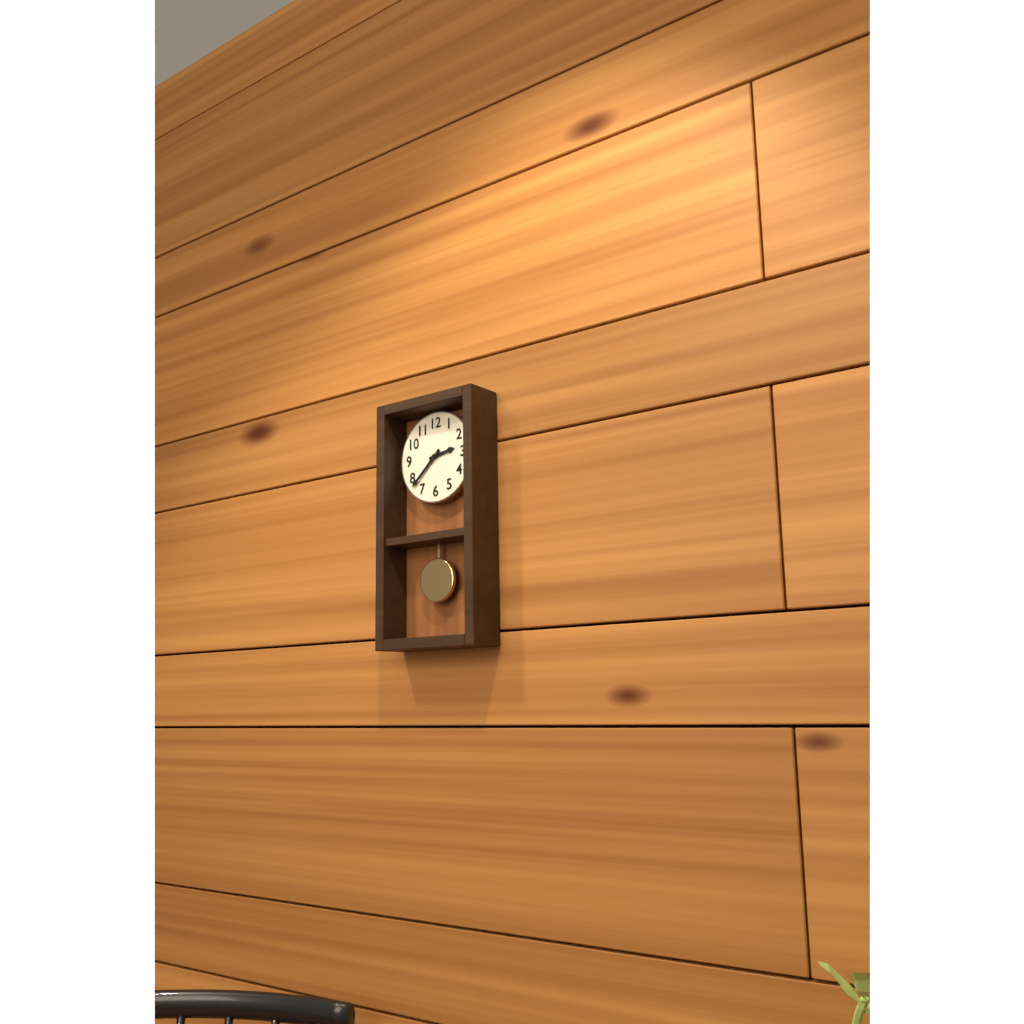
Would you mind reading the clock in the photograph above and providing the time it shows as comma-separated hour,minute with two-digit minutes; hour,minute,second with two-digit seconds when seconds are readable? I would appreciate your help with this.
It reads 2,38
